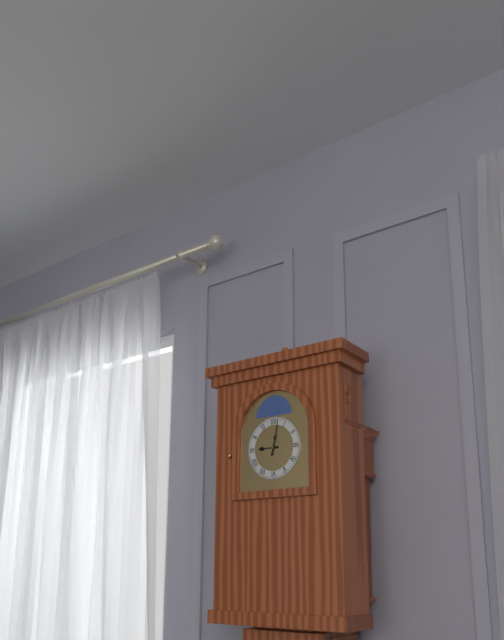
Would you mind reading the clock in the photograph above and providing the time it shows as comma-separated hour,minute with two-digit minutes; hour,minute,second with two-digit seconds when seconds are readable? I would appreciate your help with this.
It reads 9,02
